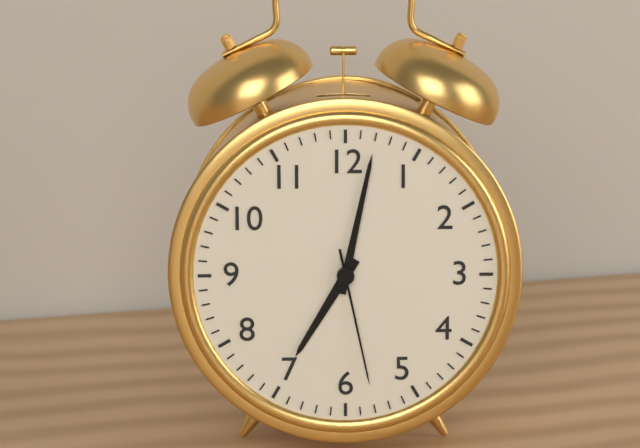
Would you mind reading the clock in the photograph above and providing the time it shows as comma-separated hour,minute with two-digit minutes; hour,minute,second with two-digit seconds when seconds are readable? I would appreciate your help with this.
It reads 7,02,28
